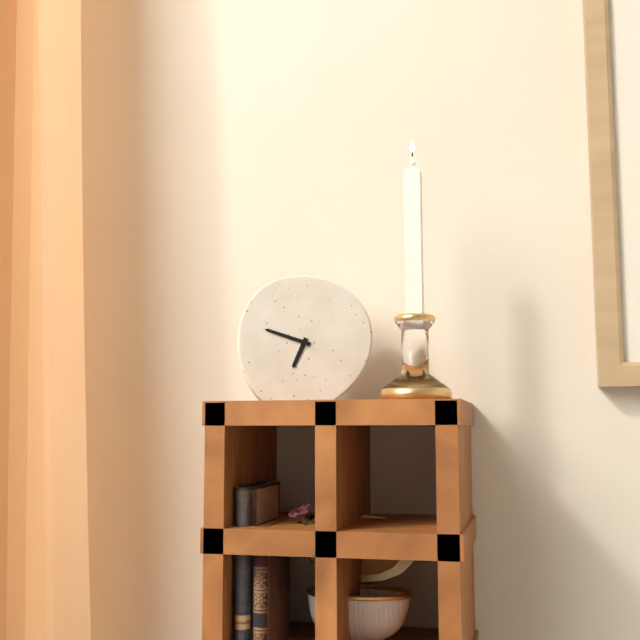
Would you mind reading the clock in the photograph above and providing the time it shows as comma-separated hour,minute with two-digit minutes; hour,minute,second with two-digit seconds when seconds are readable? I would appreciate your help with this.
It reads 6,48
